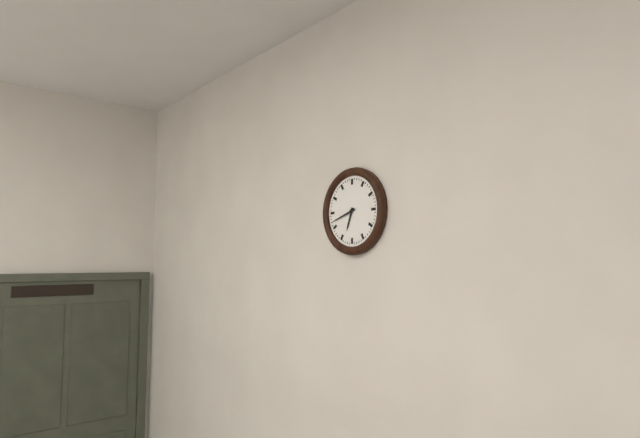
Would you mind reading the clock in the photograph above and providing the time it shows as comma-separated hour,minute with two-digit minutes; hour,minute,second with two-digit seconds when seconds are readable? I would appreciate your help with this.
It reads 6,42
